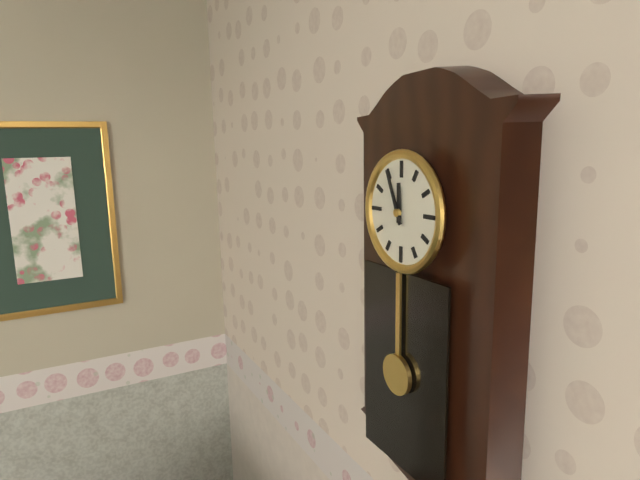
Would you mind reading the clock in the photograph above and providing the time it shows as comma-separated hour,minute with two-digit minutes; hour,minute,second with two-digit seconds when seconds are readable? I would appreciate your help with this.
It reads 11,56
